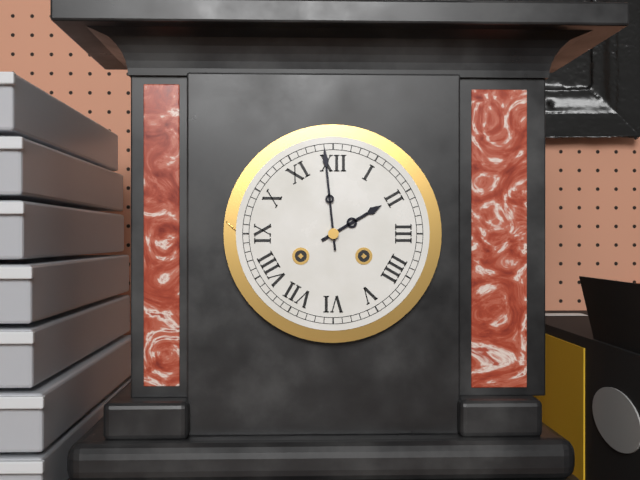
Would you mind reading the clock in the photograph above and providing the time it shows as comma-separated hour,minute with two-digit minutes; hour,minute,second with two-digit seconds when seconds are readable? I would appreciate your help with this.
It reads 1,59
